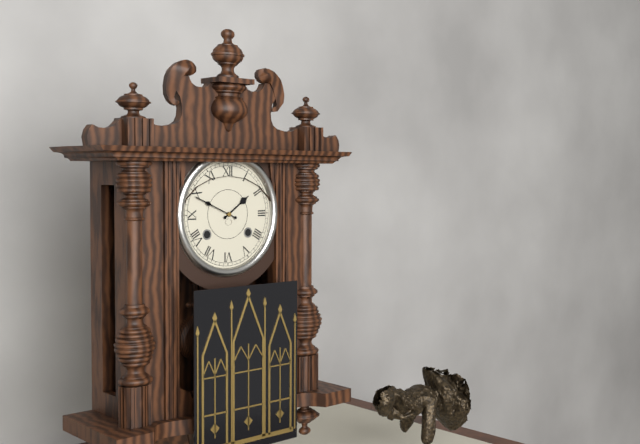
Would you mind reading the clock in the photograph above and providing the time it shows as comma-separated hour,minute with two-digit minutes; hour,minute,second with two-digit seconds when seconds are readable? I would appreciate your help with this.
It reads 1,49
